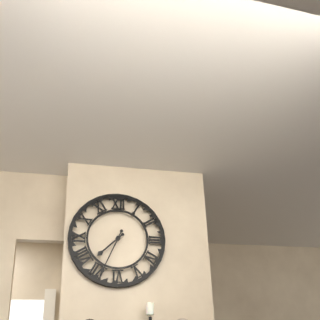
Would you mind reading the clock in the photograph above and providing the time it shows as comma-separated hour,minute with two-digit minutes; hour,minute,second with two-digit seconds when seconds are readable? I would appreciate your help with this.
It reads 7,34
